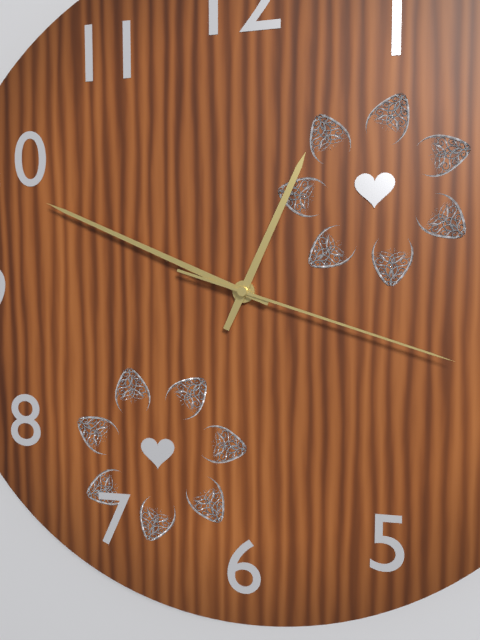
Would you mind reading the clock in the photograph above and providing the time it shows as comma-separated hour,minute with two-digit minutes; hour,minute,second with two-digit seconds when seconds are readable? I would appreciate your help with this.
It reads 12,49,18
